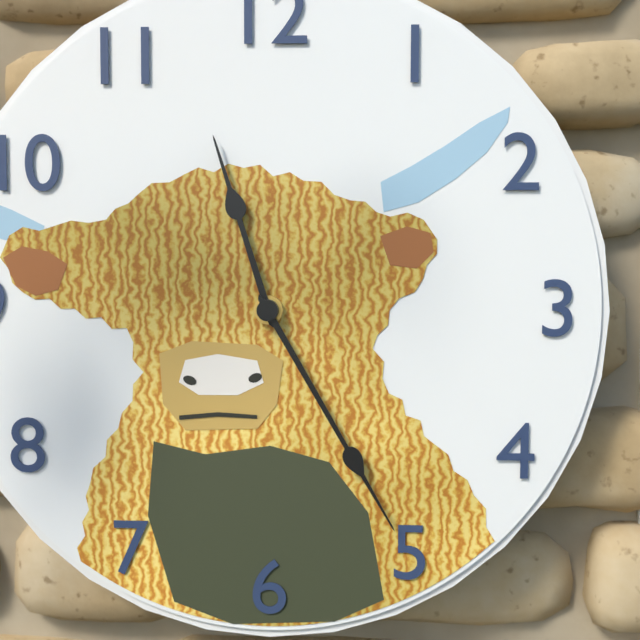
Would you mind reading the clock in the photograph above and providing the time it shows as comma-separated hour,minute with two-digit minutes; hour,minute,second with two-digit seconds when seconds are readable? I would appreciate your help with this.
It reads 11,25
